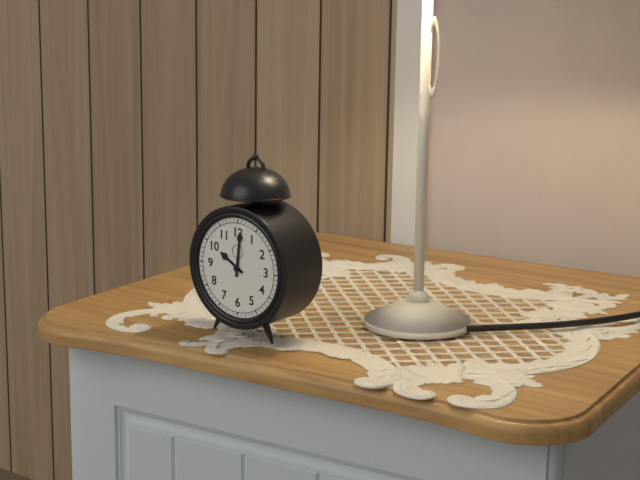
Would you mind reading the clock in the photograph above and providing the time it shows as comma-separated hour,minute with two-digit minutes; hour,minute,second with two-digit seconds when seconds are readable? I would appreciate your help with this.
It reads 10,01
